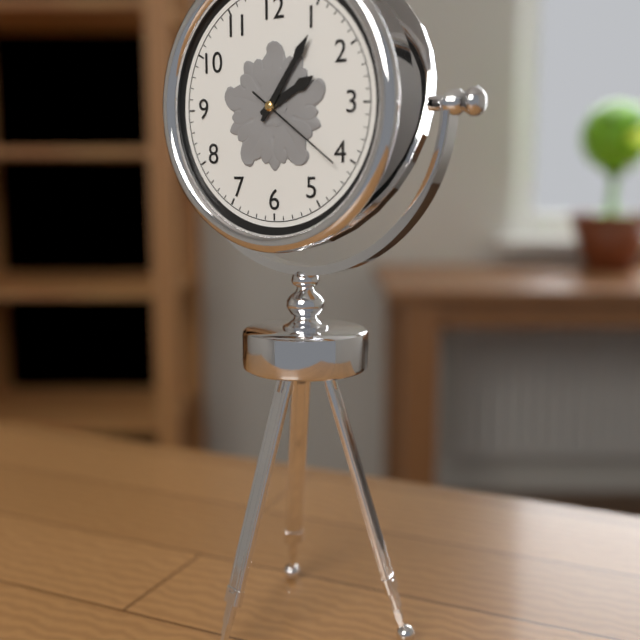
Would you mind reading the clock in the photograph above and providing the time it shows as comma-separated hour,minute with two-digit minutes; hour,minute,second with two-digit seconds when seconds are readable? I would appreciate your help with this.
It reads 2,06,21
